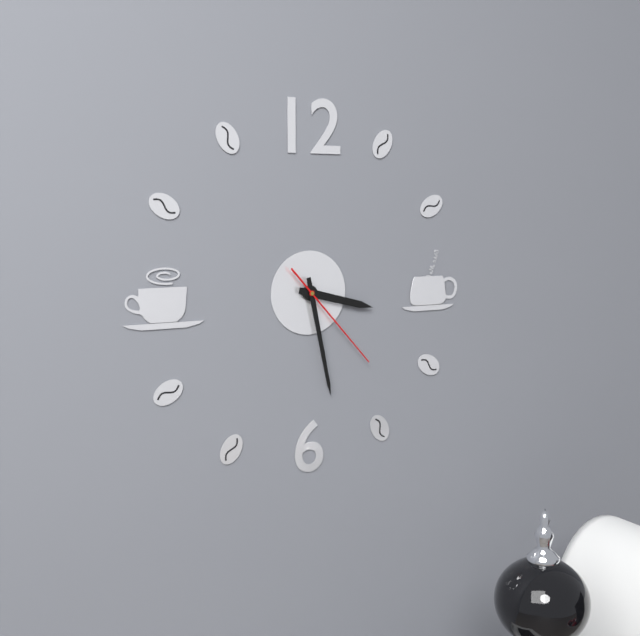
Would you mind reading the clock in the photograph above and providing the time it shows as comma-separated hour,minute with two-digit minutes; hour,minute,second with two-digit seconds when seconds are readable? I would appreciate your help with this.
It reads 3,28,23
